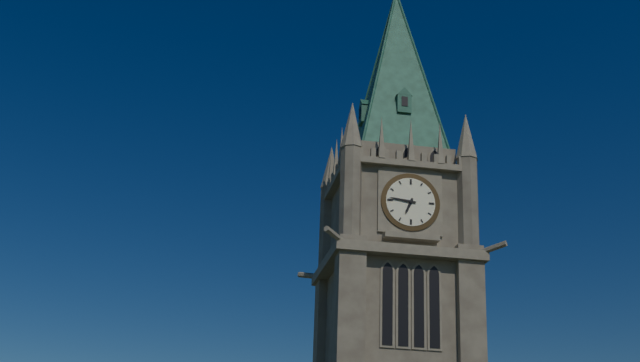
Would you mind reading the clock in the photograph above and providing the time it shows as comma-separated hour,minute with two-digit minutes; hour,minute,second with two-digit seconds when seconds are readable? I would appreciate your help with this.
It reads 6,46
